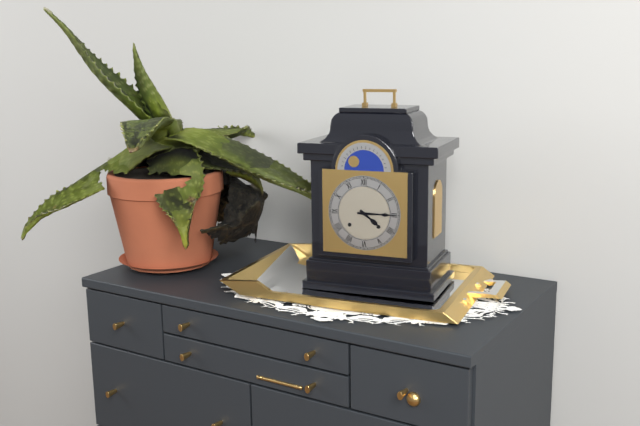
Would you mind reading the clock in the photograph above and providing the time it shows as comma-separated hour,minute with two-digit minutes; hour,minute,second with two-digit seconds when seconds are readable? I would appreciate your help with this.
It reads 4,15
